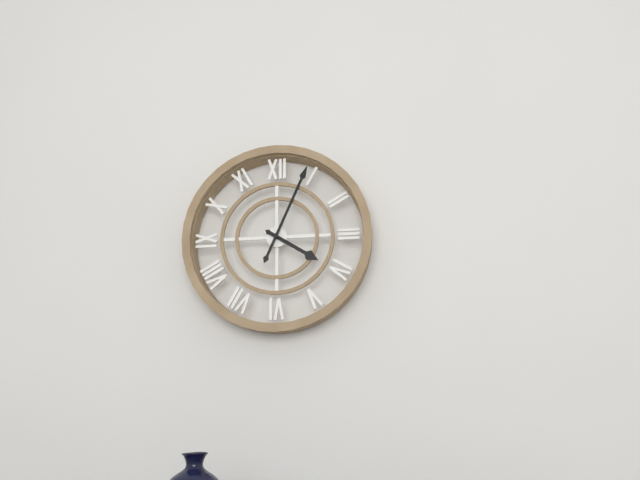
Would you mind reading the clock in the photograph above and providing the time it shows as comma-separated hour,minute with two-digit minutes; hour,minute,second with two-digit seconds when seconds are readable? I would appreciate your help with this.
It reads 4,04
